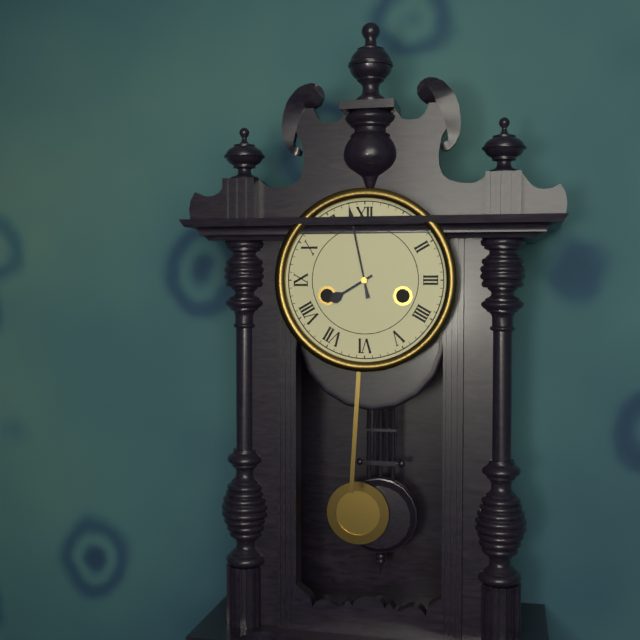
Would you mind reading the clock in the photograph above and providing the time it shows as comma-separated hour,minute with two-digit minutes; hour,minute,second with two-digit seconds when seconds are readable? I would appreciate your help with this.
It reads 7,58
